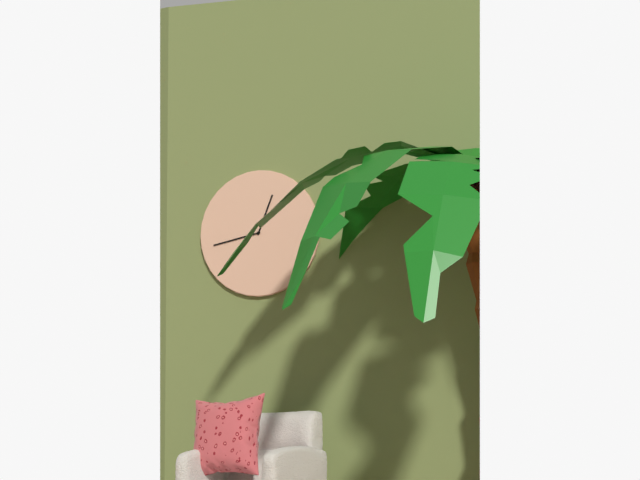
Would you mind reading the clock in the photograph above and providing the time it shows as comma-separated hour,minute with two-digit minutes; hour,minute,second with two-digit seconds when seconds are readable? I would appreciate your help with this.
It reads 12,43
